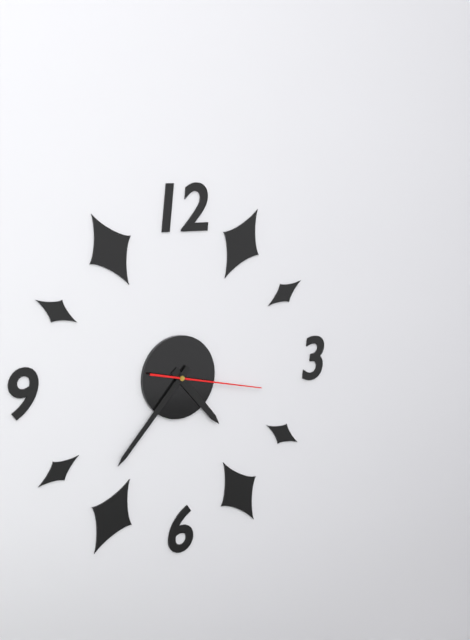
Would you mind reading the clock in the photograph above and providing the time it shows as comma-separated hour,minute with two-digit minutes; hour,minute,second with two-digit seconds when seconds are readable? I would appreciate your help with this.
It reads 4,37,17
